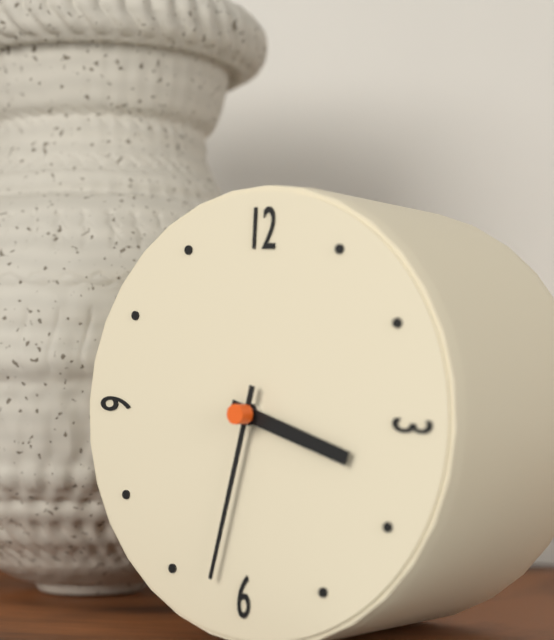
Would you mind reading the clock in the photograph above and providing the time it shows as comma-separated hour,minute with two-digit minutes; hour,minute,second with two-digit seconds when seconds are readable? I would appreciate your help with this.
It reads 3,32
